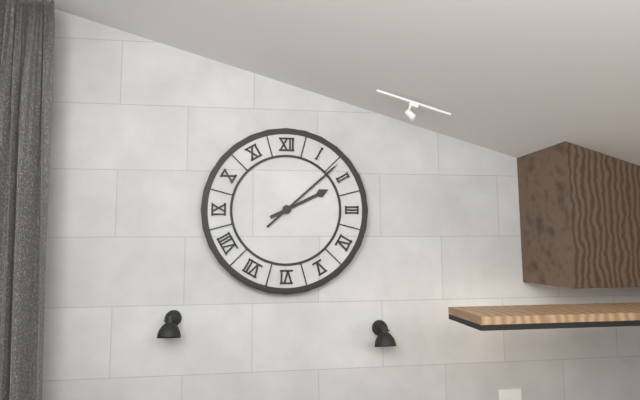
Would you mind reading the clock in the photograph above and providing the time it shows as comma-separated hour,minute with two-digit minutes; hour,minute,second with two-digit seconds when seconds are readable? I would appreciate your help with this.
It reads 2,08
